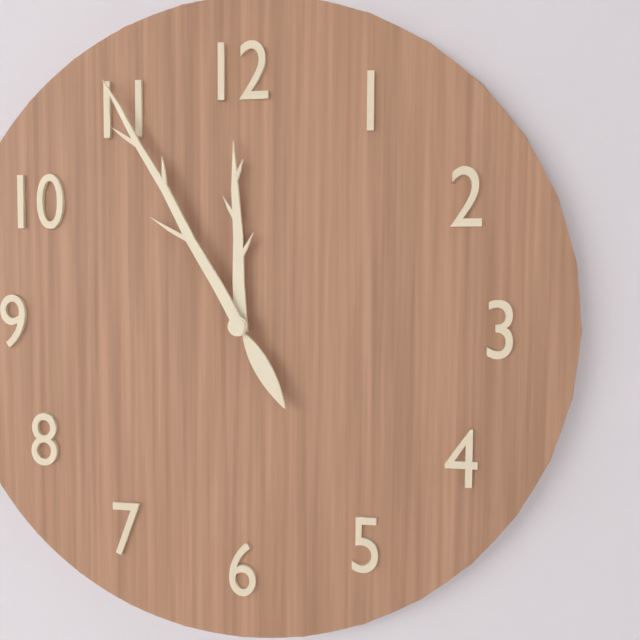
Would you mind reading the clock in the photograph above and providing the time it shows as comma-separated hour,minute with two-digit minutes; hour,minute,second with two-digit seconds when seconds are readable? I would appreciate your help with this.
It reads 11,55
